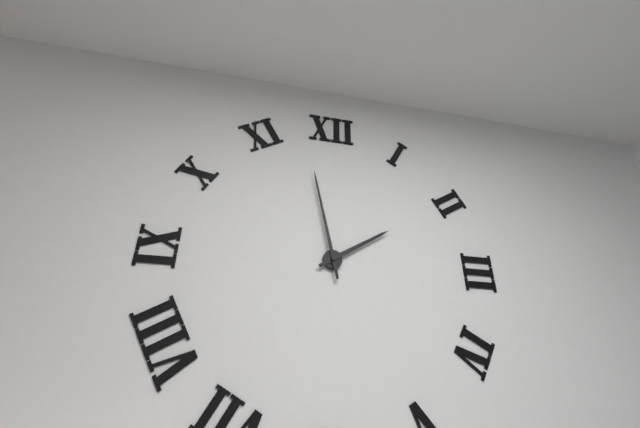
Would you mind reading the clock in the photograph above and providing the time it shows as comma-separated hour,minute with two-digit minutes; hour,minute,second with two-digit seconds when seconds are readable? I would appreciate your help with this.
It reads 1,58
